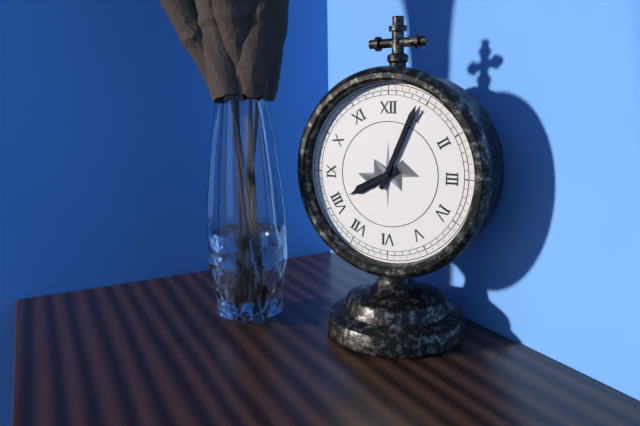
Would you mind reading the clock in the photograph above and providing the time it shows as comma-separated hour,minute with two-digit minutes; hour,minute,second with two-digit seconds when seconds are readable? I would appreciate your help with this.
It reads 8,04
